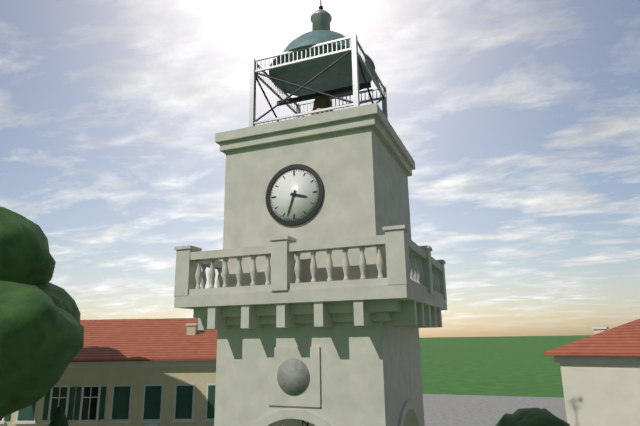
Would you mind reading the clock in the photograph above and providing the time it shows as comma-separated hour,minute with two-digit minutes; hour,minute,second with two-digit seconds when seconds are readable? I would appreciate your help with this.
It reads 3,33
